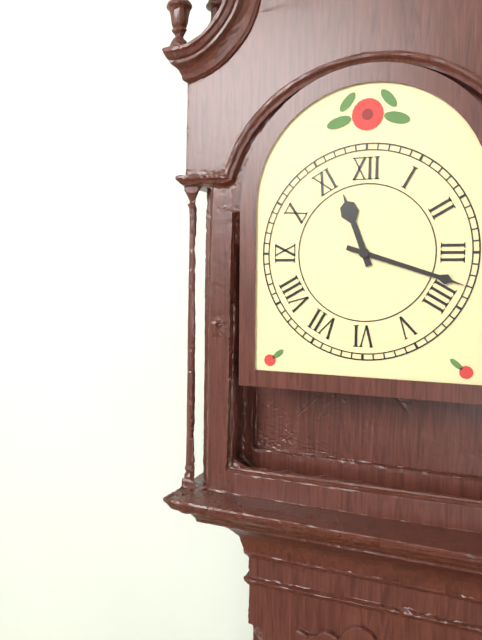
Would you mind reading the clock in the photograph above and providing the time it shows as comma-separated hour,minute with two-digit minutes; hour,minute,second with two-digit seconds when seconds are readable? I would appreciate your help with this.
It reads 11,18
